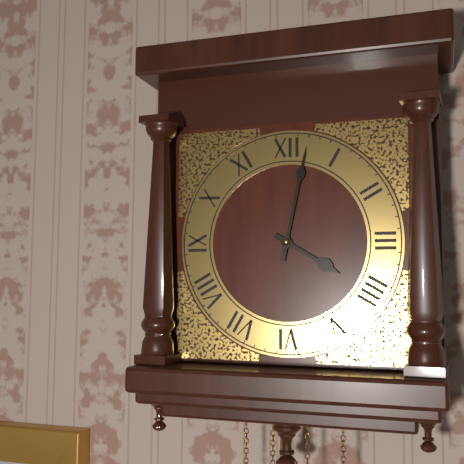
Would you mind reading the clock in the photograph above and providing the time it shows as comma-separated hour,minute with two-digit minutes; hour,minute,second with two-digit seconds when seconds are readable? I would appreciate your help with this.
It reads 4,02
